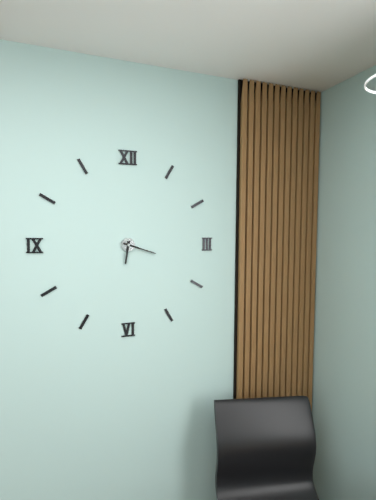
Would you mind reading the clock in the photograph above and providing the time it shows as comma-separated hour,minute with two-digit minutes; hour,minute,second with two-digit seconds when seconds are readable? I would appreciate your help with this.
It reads 6,18
